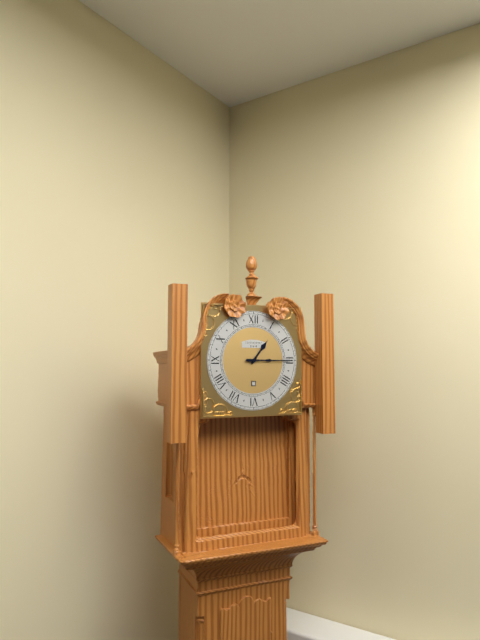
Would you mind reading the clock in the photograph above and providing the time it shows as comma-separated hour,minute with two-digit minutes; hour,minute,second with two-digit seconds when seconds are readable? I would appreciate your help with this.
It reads 1,15
